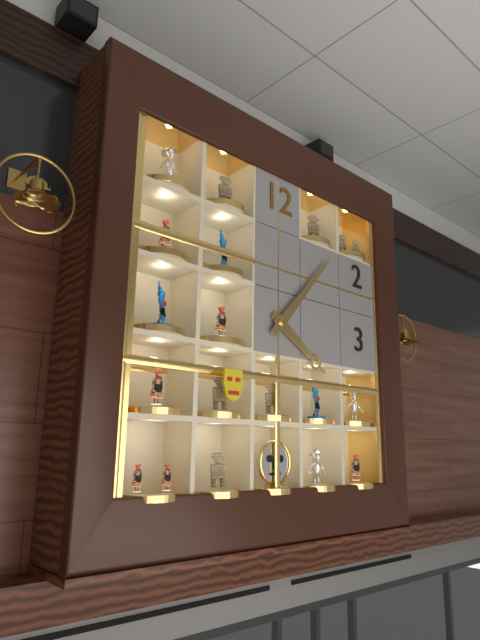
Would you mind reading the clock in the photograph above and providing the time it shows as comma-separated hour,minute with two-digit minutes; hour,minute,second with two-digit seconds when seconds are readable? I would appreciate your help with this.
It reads 4,07
